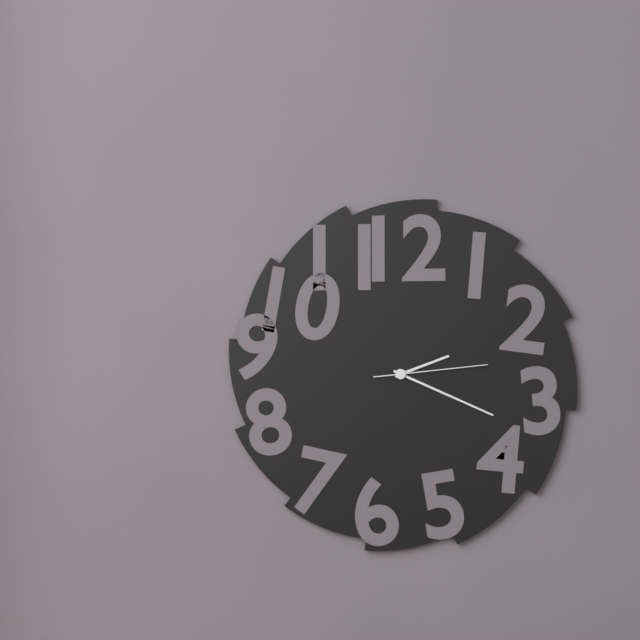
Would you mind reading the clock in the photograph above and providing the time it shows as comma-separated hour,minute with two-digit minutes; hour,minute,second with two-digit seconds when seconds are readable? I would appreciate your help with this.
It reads 2,19,14
